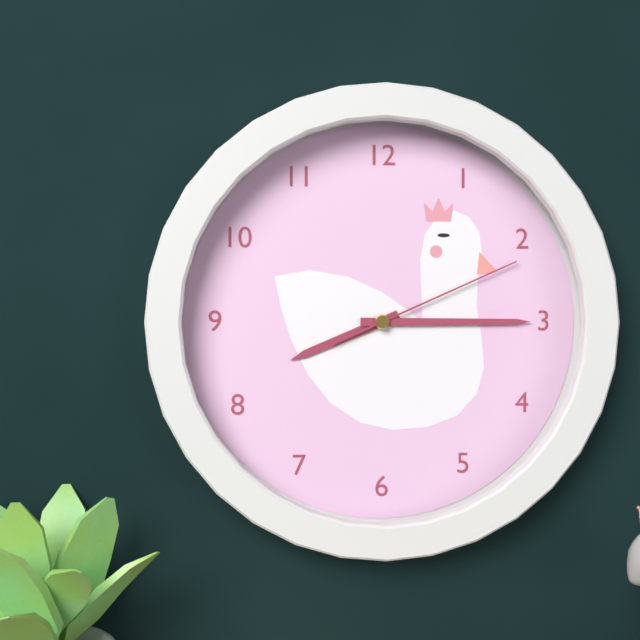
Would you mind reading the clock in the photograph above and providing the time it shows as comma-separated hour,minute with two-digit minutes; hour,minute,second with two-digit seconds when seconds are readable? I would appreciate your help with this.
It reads 8,15,11
